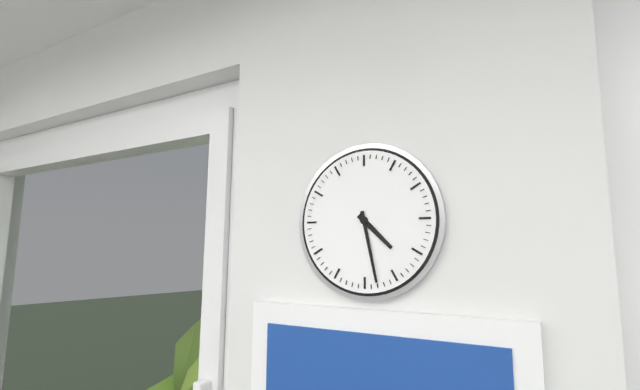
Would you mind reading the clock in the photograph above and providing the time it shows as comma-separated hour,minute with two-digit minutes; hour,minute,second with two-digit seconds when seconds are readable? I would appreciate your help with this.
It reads 4,28
